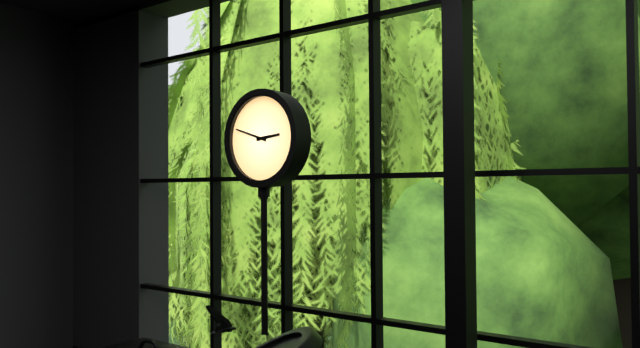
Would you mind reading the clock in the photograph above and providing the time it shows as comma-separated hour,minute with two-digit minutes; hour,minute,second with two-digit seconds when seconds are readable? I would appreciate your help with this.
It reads 2,48
